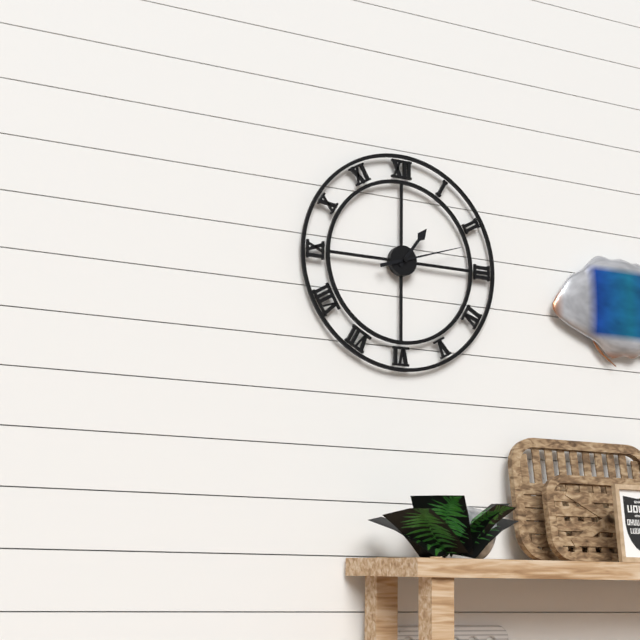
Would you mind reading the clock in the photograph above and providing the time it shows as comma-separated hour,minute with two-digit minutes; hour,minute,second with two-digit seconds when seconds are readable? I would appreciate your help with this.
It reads 1,12
